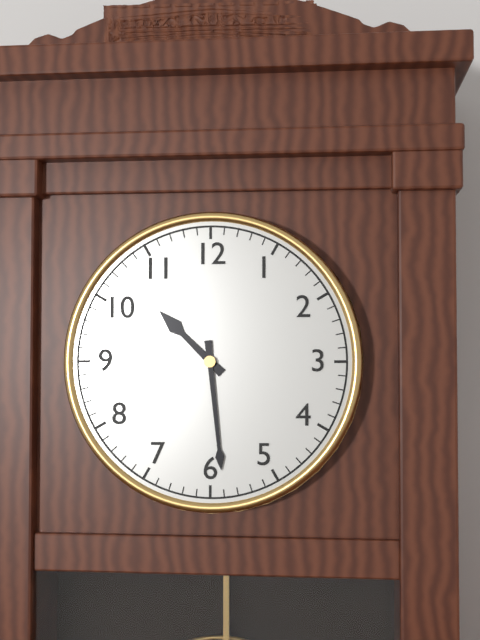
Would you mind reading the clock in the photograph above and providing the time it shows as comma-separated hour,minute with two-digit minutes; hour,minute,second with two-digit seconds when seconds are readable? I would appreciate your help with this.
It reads 10,29
